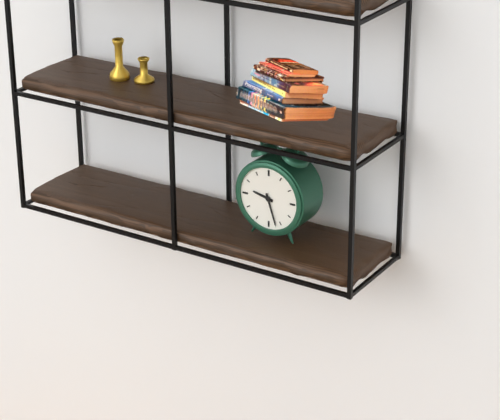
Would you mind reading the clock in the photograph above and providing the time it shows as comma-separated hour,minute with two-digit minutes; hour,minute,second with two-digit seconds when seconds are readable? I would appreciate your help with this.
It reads 9,27
